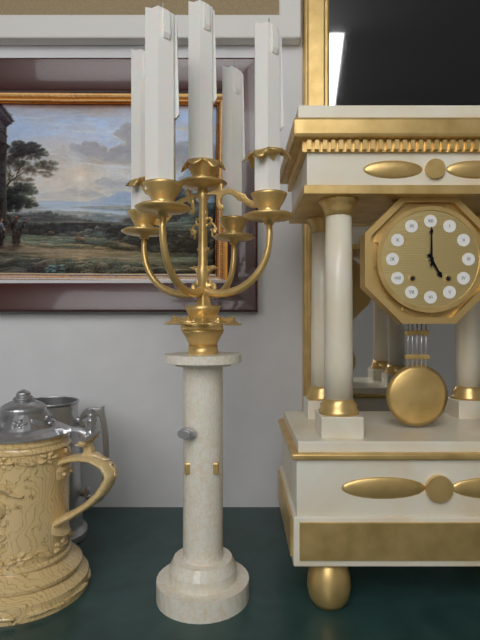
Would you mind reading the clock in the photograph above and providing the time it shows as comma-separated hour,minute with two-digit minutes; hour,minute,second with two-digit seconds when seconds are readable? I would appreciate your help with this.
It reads 5,00
